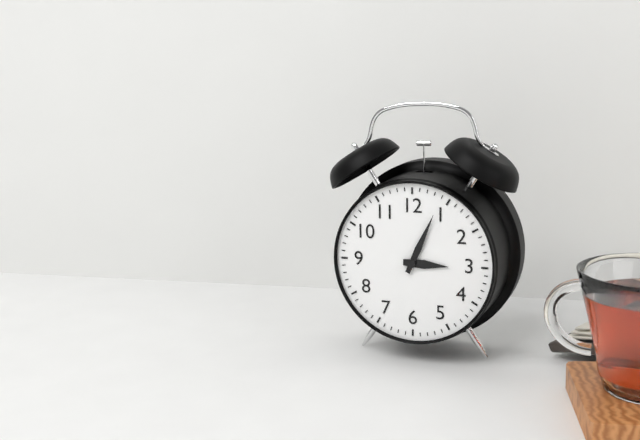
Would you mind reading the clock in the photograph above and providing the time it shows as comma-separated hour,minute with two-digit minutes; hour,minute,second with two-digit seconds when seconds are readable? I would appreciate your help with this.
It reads 3,04
